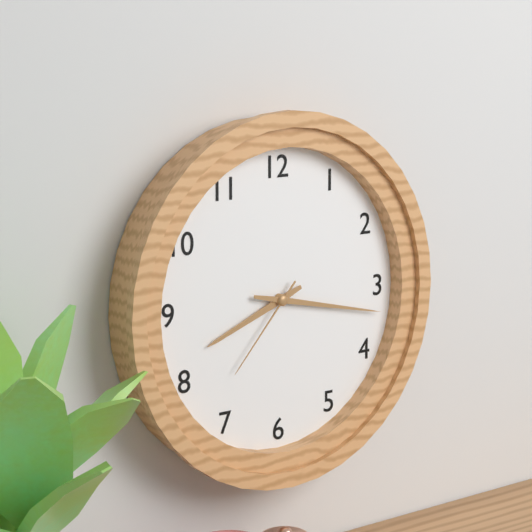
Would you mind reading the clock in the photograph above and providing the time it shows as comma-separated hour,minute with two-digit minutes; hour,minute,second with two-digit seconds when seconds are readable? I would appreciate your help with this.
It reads 8,17,37
